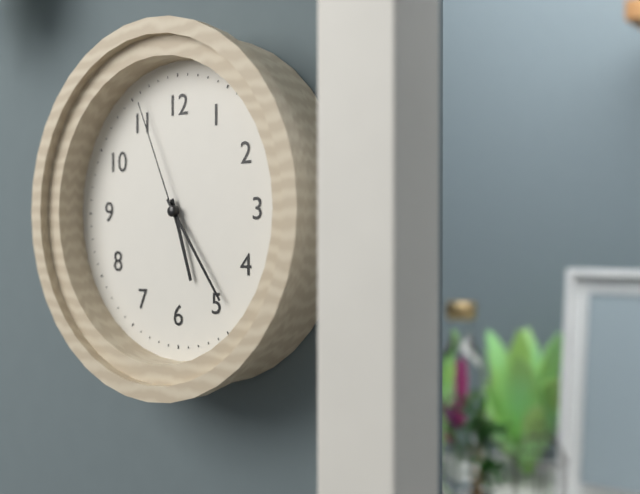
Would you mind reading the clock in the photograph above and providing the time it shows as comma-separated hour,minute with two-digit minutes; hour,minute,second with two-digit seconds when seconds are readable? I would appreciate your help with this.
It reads 5,24,56
